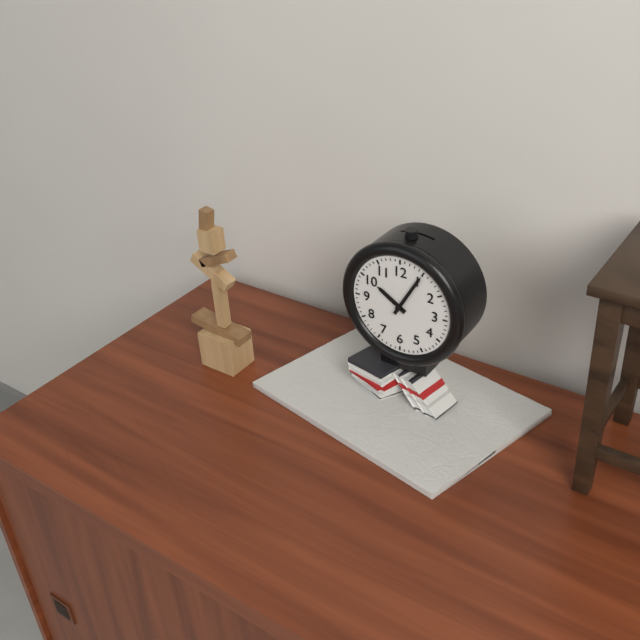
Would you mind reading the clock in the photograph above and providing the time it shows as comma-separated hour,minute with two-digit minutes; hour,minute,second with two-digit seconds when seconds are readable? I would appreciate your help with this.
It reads 10,05
